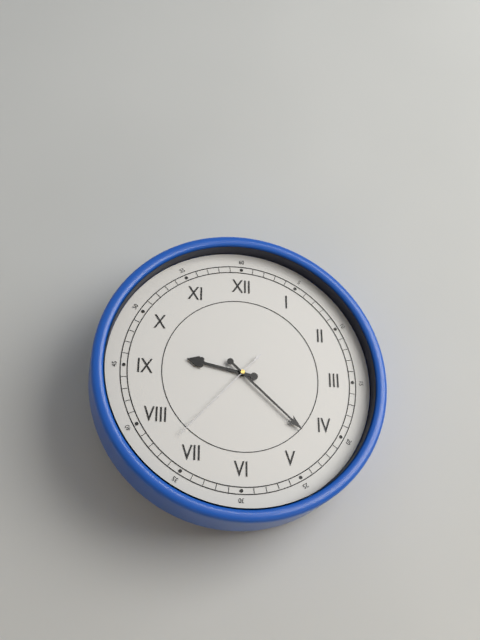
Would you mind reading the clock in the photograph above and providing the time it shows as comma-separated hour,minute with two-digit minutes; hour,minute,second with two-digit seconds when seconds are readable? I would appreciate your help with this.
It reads 9,22,37
